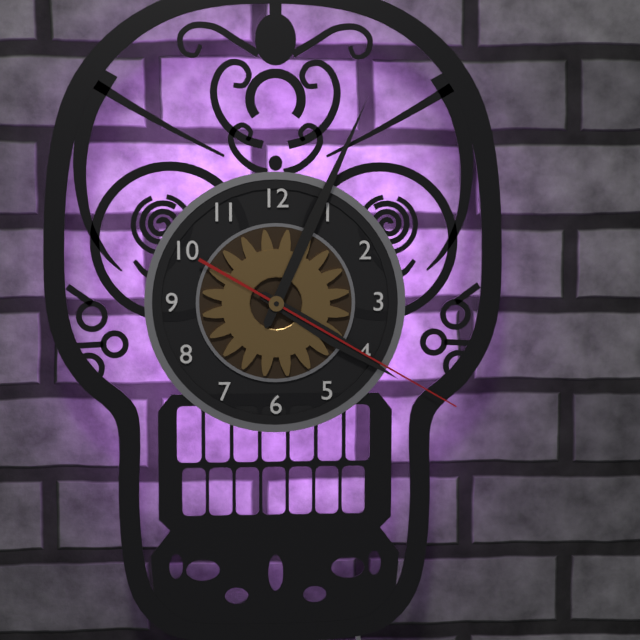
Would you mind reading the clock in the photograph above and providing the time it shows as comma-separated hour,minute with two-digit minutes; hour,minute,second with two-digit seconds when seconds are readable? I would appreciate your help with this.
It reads 4,04,20
